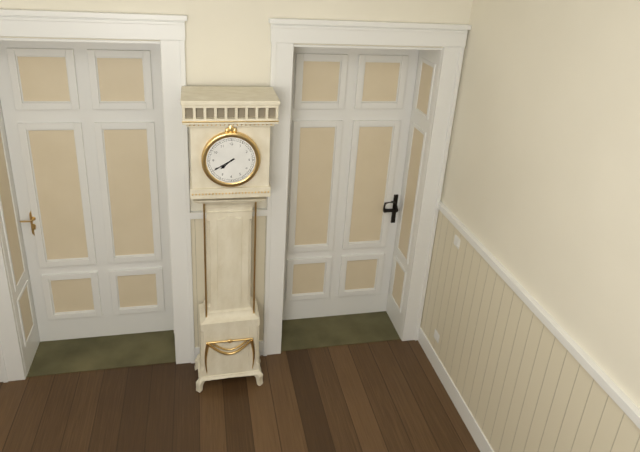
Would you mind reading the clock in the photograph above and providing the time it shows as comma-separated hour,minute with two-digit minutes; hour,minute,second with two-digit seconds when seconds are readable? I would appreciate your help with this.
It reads 7,40
